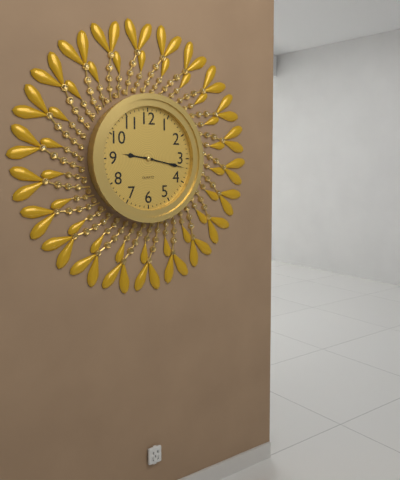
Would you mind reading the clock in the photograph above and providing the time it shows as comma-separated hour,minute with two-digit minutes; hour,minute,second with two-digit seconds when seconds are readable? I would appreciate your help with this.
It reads 9,17
